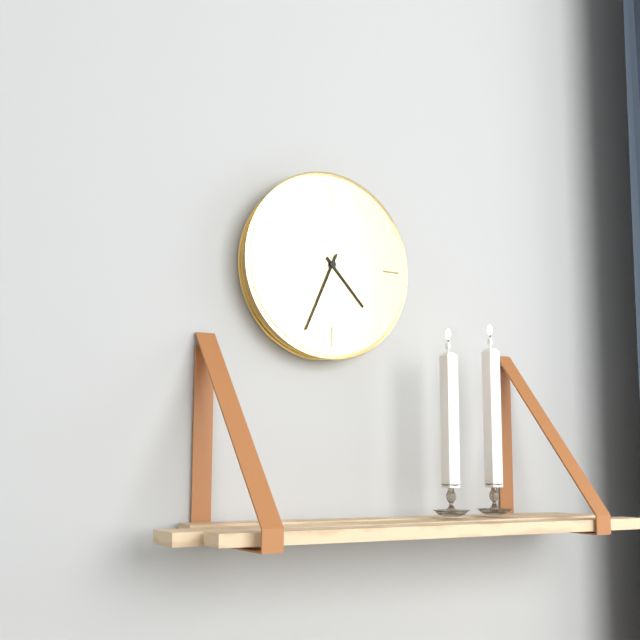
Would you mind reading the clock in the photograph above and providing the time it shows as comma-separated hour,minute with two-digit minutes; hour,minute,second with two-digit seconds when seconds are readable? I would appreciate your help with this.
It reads 4,34
